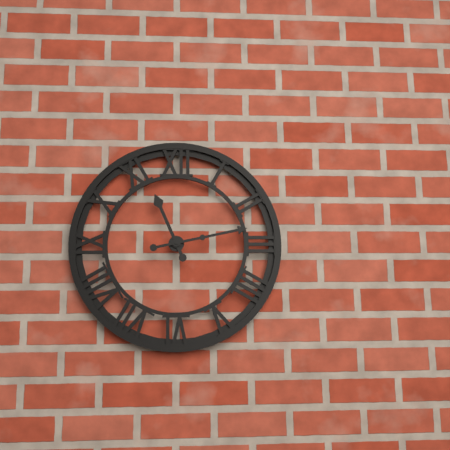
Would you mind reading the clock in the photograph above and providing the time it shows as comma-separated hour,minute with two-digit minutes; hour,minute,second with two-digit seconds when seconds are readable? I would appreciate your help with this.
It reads 11,13
